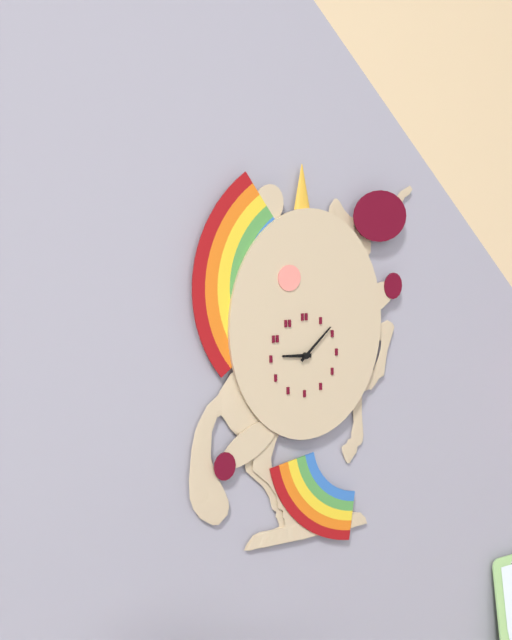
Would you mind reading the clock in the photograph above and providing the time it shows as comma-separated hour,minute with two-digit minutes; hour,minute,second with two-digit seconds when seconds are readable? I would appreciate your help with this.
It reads 9,08
